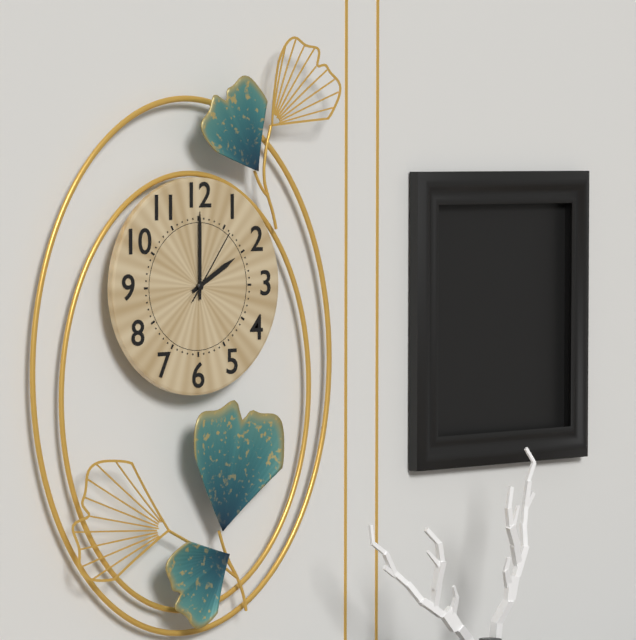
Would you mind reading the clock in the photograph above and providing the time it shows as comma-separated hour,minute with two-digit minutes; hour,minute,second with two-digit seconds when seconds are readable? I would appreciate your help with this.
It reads 2,00,06
